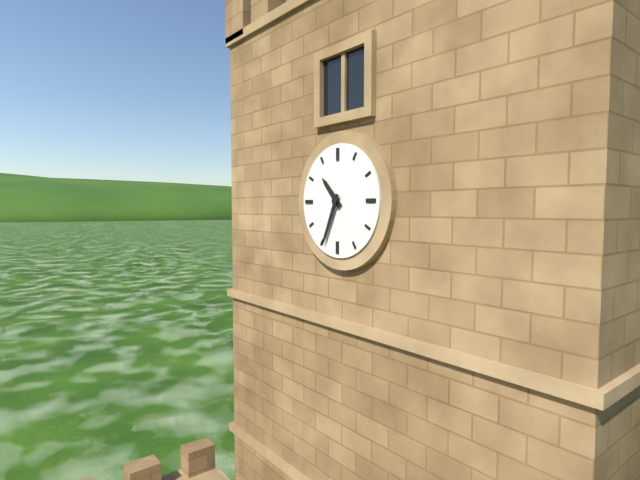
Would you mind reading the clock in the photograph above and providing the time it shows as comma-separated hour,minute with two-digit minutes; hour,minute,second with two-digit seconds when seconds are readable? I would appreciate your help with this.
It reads 10,34
